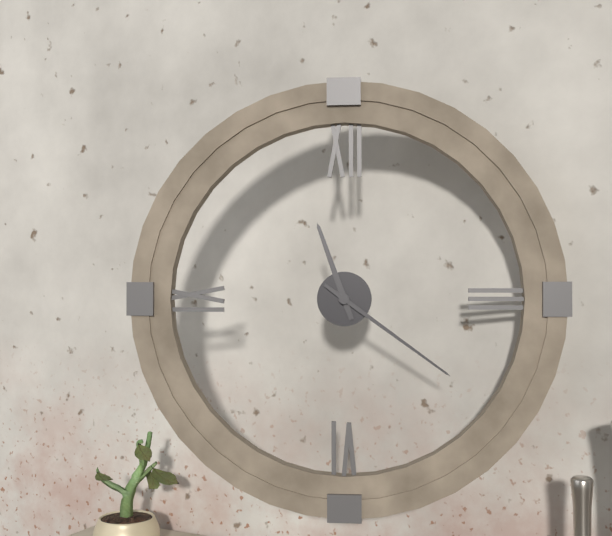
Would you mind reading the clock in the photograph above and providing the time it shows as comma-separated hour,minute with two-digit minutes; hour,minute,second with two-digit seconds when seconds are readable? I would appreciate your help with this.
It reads 11,21
